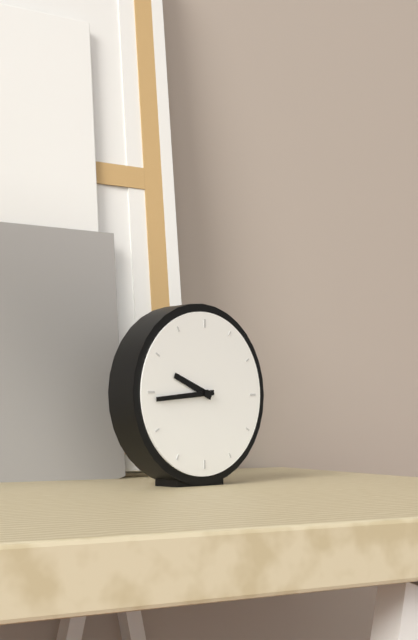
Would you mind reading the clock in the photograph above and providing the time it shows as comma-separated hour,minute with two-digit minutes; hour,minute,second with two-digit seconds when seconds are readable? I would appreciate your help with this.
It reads 9,44
